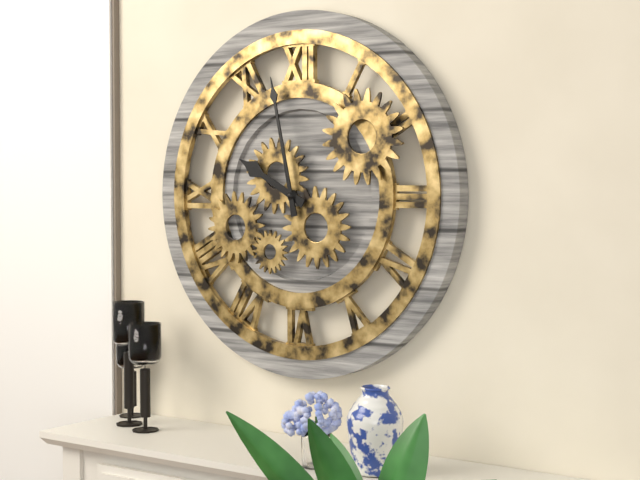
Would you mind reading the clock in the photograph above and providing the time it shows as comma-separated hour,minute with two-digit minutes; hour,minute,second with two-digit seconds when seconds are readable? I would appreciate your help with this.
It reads 9,58
